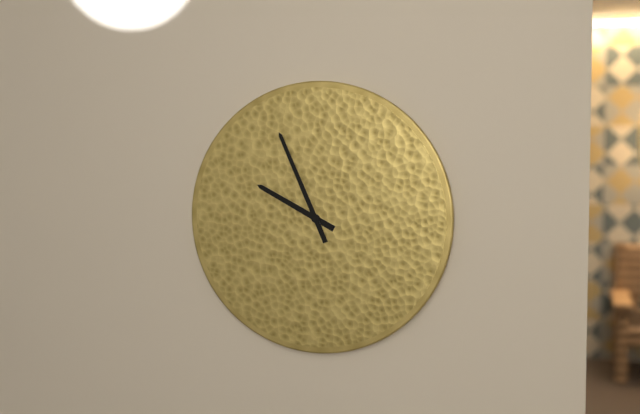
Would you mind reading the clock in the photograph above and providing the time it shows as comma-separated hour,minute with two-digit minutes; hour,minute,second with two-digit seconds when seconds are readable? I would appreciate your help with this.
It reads 9,56
